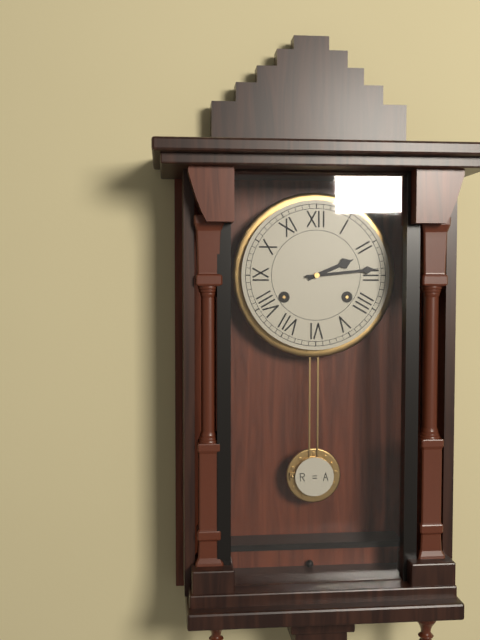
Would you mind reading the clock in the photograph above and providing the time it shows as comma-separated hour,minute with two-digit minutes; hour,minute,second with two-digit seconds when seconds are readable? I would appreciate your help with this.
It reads 2,14
